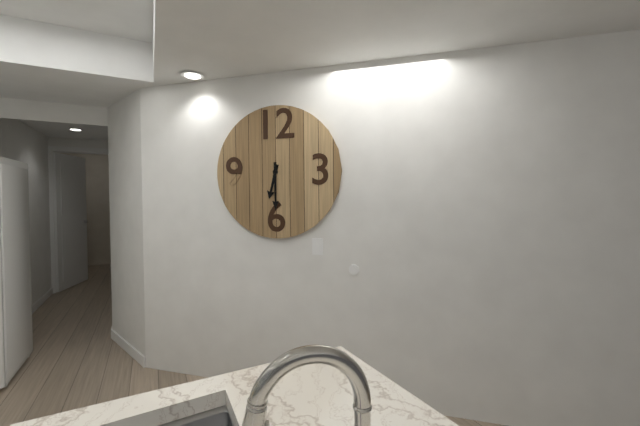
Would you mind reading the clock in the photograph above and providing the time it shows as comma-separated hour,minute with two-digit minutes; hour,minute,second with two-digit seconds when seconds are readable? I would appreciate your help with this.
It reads 6,30
